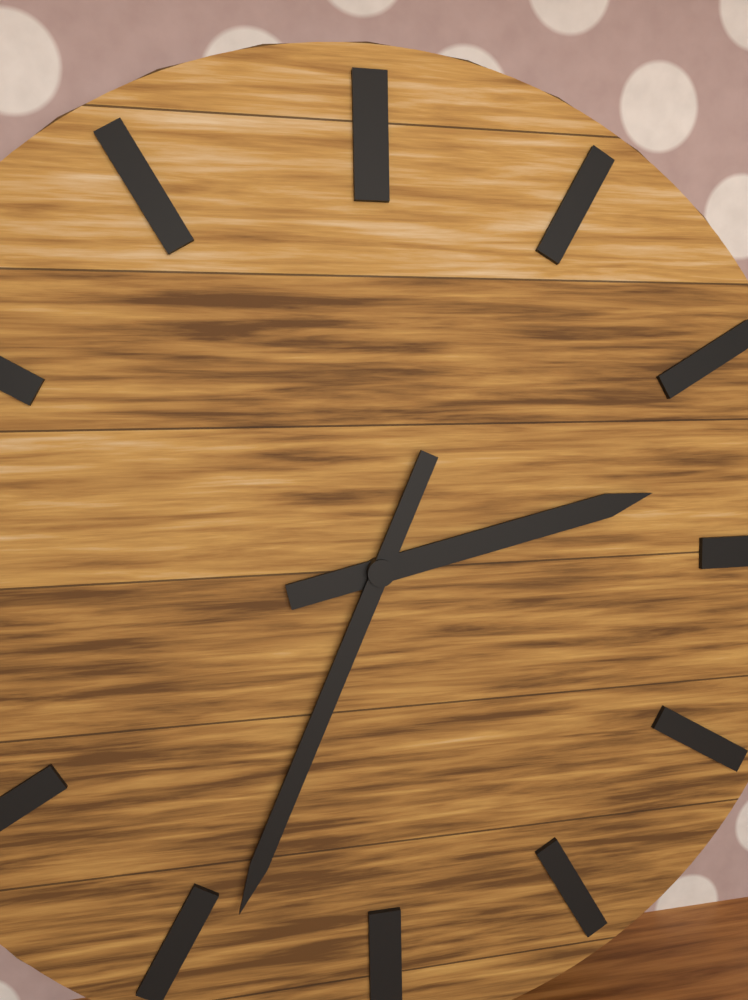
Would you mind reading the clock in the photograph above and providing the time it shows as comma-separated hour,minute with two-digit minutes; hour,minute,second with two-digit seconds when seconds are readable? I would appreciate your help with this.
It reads 2,34
